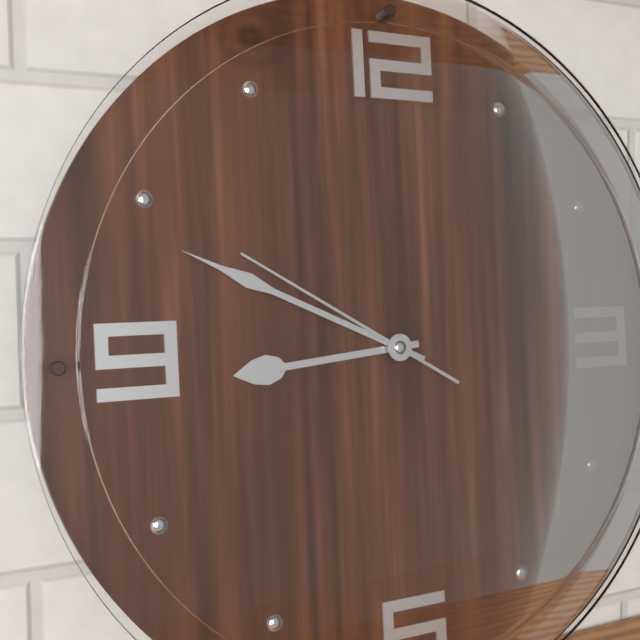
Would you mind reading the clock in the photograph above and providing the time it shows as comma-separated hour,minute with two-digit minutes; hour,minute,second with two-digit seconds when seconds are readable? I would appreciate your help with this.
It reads 8,49,50
